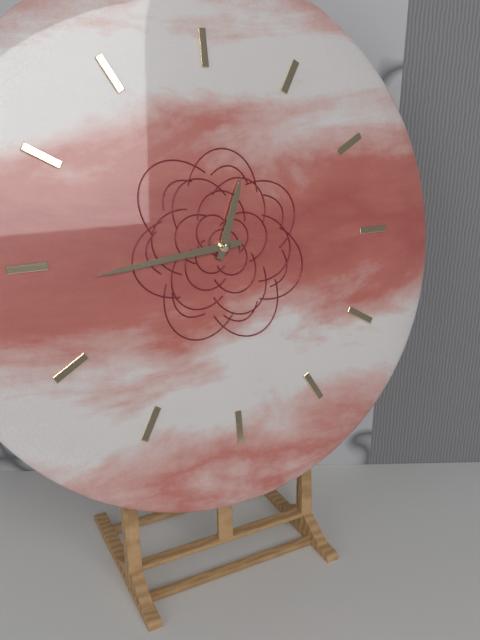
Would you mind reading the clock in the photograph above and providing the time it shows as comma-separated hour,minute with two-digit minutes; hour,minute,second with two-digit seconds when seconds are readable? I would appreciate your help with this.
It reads 12,44
